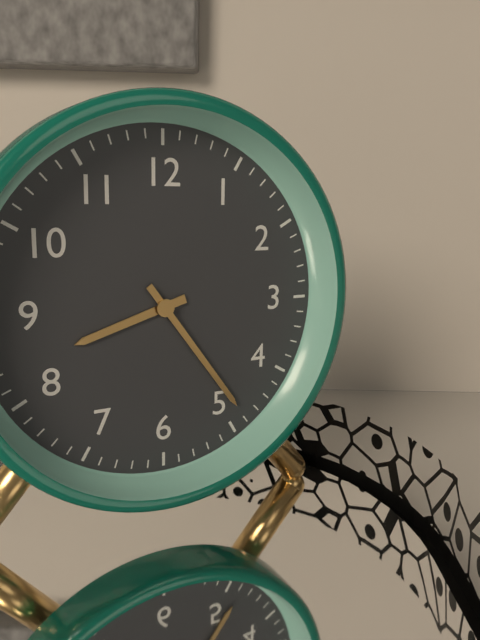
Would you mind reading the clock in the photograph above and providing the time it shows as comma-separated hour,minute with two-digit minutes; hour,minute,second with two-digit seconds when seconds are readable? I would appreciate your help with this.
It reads 8,24
